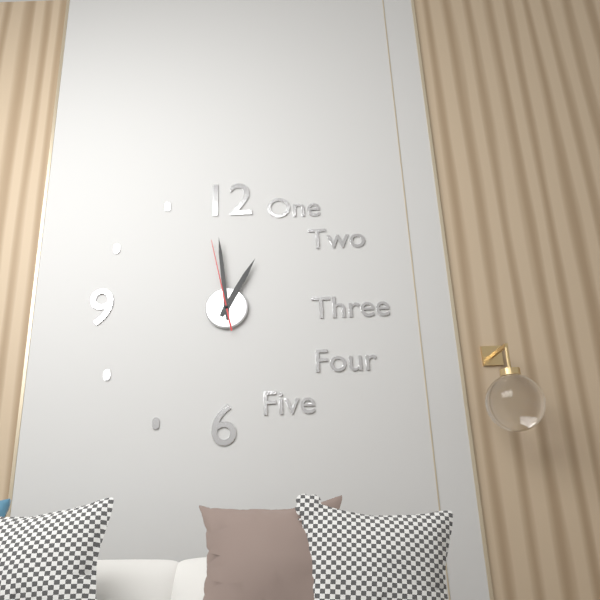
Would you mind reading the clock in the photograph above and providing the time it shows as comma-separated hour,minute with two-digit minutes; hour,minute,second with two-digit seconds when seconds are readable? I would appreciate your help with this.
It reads 12,59,58
